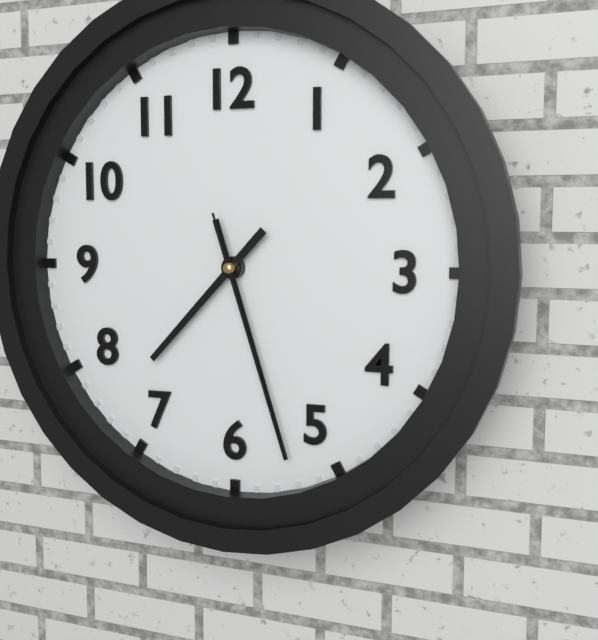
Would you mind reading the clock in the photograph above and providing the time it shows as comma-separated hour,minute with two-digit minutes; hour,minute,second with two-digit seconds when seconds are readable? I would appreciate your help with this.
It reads 7,27,27
